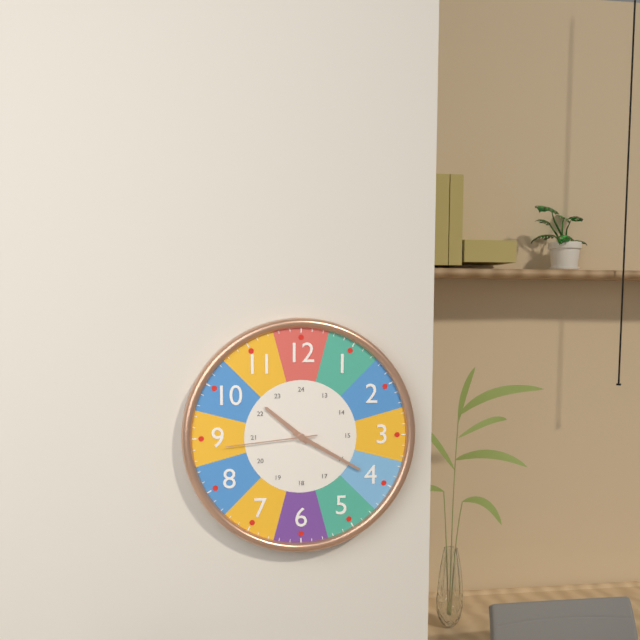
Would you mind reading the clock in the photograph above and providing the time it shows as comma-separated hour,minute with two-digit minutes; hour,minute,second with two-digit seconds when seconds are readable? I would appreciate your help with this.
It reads 10,20,44
